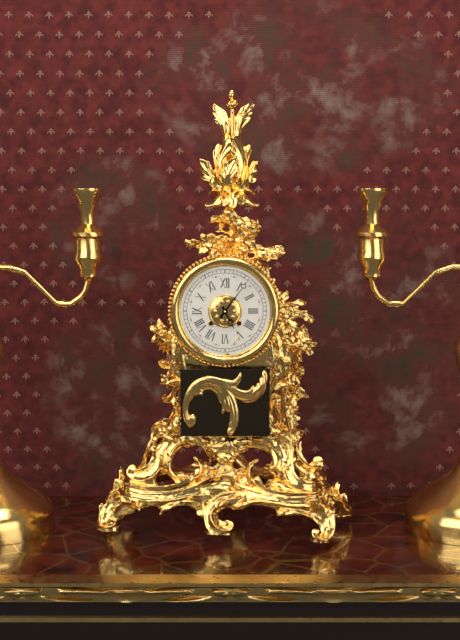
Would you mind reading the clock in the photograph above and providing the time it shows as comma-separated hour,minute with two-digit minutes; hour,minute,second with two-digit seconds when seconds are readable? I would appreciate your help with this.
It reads 5,06
